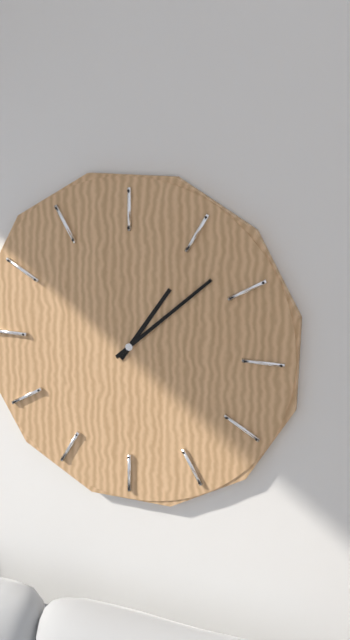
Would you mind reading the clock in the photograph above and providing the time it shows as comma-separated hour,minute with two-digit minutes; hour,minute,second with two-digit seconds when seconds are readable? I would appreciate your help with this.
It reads 1,08
